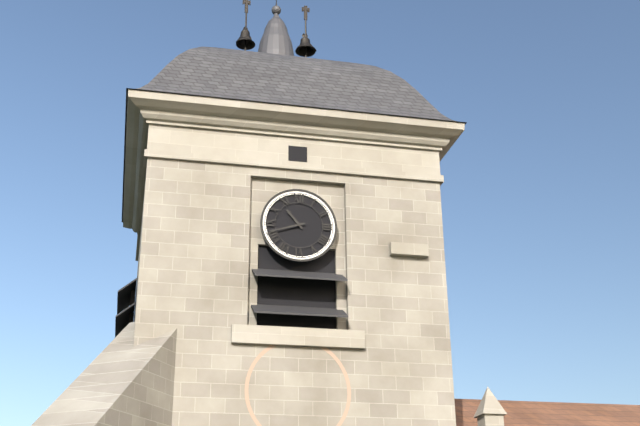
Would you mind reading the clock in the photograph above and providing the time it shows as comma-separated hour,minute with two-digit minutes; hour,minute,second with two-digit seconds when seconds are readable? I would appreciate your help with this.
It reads 10,42
